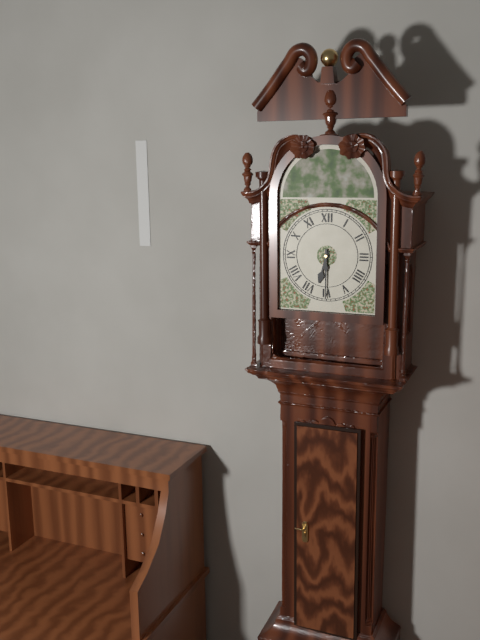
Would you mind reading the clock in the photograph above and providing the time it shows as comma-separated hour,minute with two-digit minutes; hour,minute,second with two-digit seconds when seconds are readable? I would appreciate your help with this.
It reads 6,30
